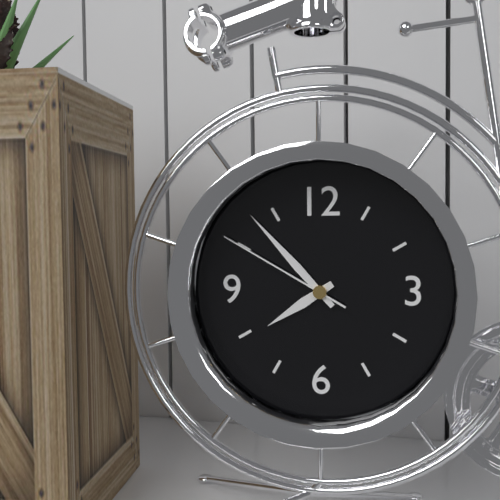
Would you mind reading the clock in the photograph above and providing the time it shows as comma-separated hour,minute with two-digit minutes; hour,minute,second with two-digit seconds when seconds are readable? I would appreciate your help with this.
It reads 7,53,50
